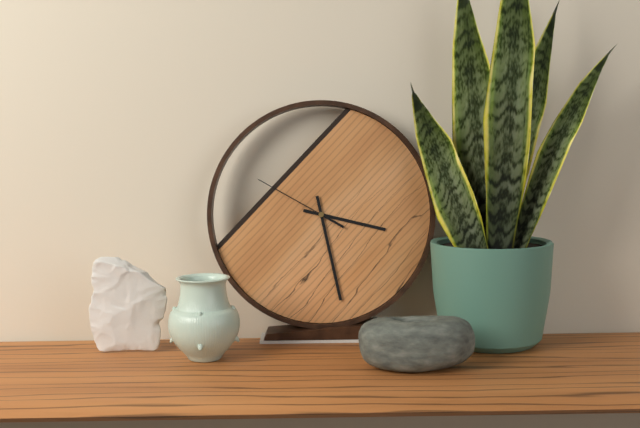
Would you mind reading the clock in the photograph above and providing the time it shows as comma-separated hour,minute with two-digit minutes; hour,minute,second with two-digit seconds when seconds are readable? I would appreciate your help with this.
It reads 3,28,50
